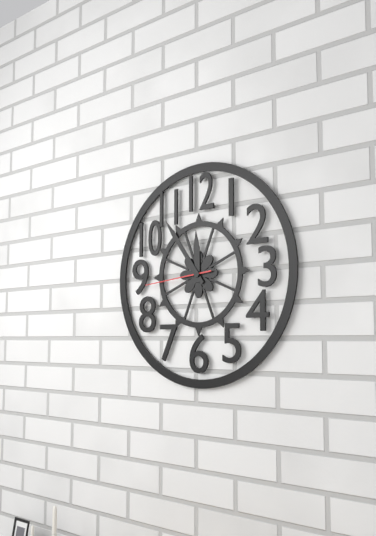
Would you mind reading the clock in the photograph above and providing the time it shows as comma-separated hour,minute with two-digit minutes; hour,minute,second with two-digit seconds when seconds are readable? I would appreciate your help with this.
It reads 11,54,44
